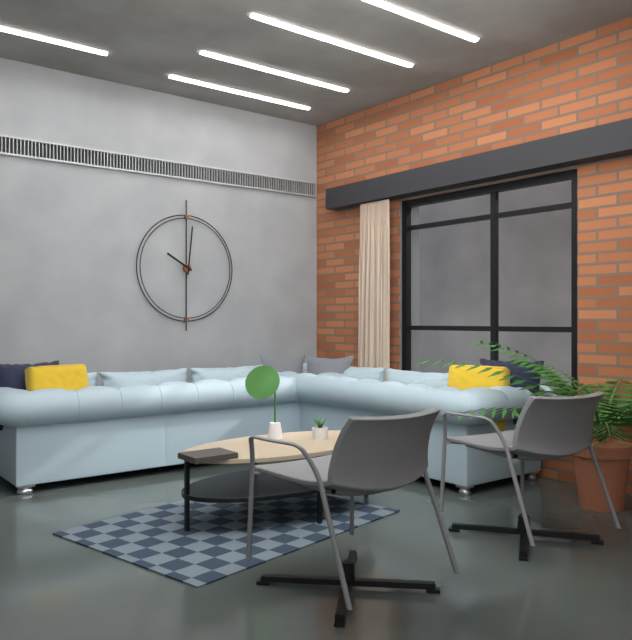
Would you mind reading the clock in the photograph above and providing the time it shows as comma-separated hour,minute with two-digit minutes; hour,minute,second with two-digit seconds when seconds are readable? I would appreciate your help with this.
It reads 10,01
